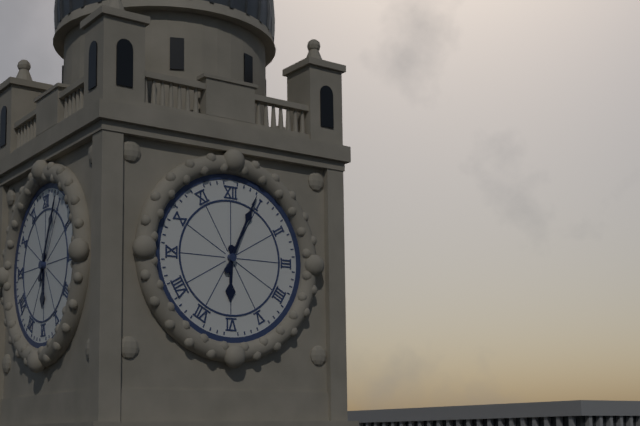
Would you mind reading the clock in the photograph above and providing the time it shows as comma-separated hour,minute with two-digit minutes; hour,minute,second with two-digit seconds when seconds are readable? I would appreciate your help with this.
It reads 6,04
